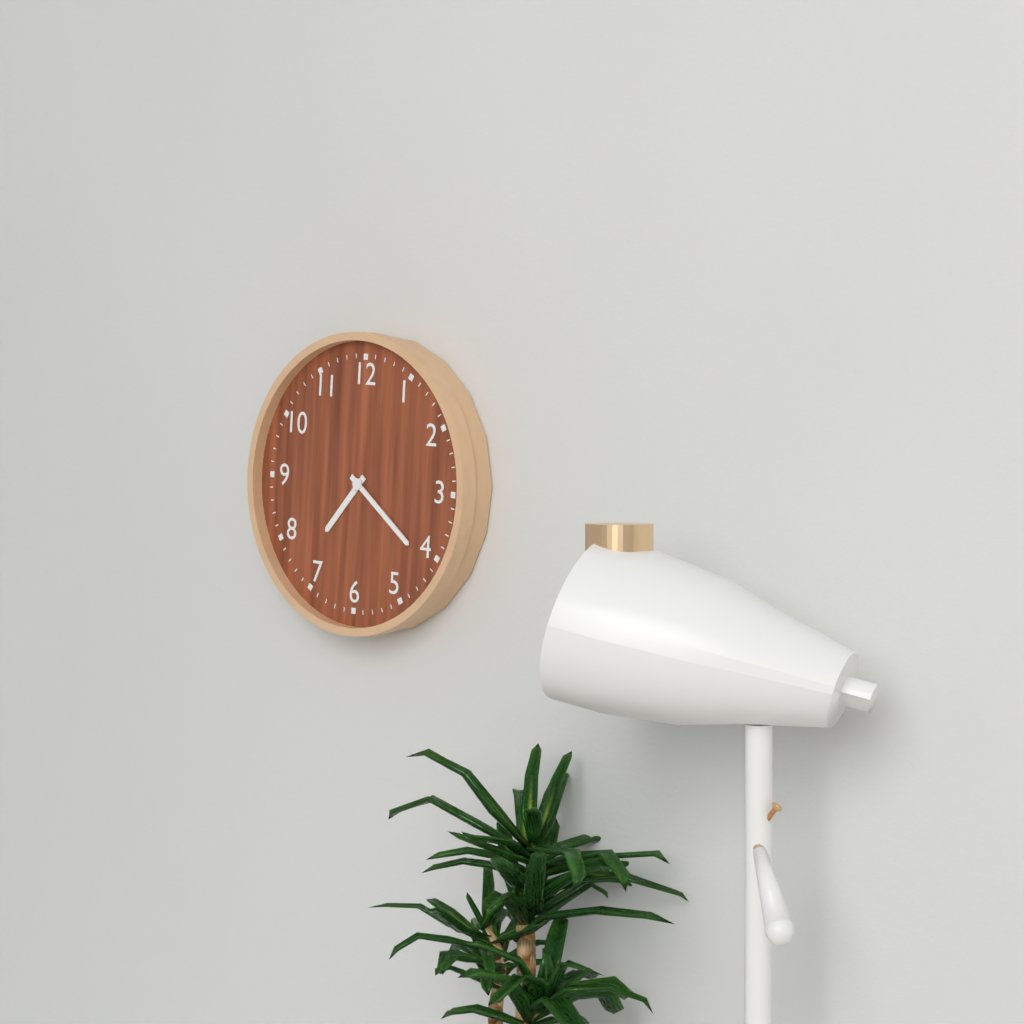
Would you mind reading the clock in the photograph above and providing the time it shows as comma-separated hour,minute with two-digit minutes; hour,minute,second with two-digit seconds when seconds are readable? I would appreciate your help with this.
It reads 7,21
